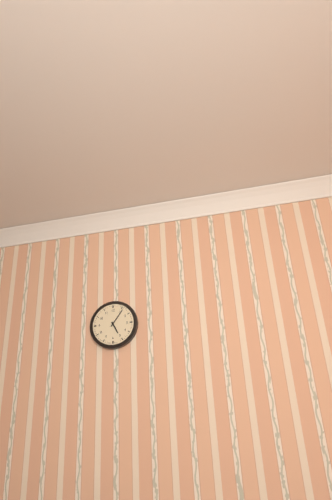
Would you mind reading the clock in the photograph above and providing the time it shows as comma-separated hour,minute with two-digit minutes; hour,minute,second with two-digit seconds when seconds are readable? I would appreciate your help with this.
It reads 5,06
